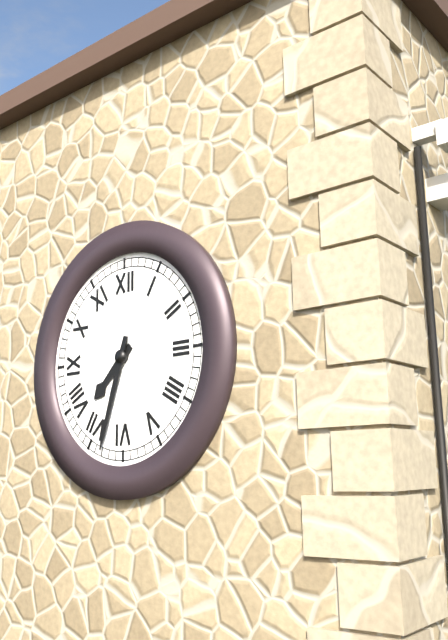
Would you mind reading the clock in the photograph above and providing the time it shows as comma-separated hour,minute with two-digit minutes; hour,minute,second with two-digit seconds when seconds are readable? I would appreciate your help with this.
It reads 7,33
